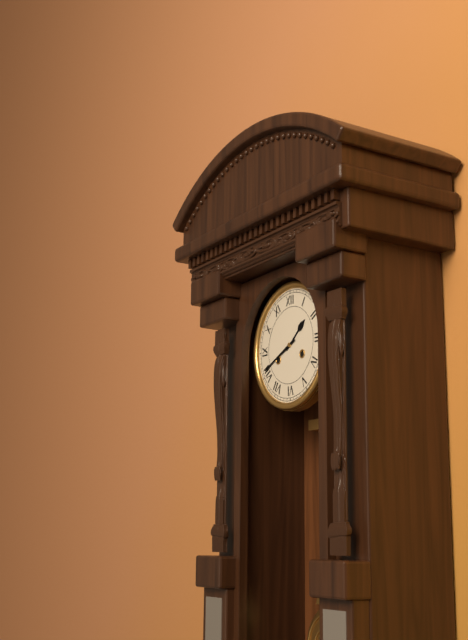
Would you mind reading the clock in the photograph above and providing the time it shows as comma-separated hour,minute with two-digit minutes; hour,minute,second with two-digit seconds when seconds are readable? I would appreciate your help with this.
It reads 1,41
